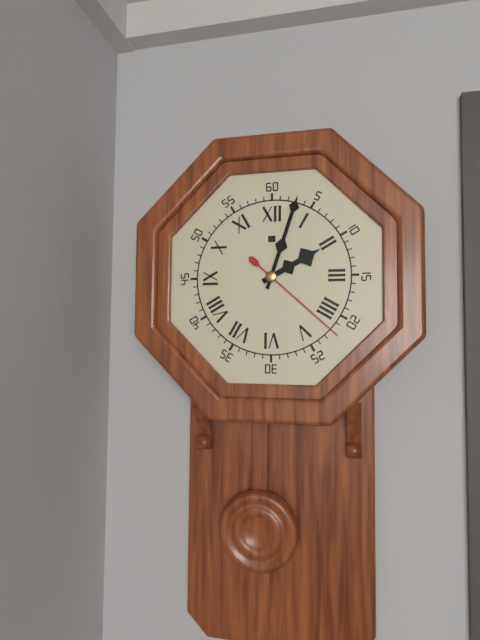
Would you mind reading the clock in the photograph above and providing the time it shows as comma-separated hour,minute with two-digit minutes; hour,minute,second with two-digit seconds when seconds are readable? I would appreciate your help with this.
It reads 2,03,22
